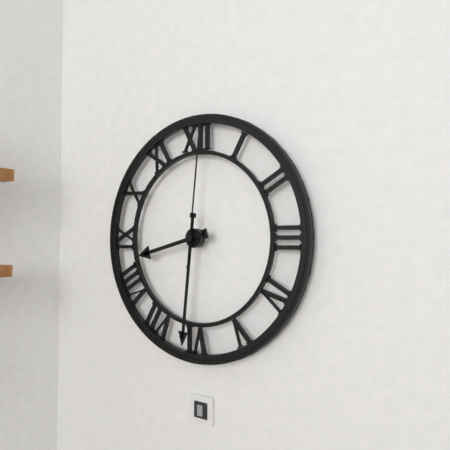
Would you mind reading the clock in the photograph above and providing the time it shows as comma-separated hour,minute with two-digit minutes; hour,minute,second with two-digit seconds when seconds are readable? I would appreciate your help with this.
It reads 8,31,01
